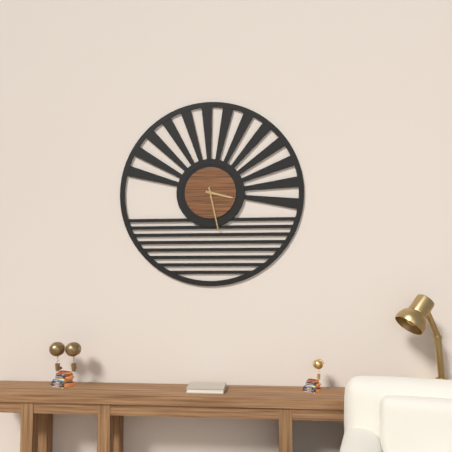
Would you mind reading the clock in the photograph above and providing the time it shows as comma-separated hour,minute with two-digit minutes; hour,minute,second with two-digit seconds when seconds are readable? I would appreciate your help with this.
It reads 3,28
